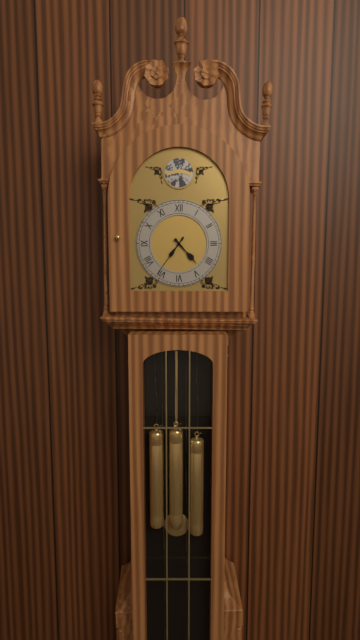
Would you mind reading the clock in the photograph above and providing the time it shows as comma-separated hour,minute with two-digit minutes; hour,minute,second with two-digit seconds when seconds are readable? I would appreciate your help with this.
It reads 4,36
